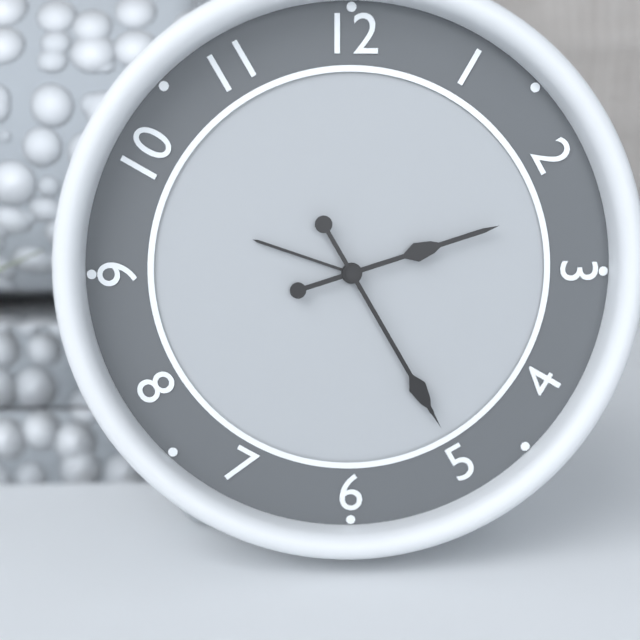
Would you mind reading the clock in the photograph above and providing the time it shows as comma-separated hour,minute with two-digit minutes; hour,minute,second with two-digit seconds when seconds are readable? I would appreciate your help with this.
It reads 2,25
